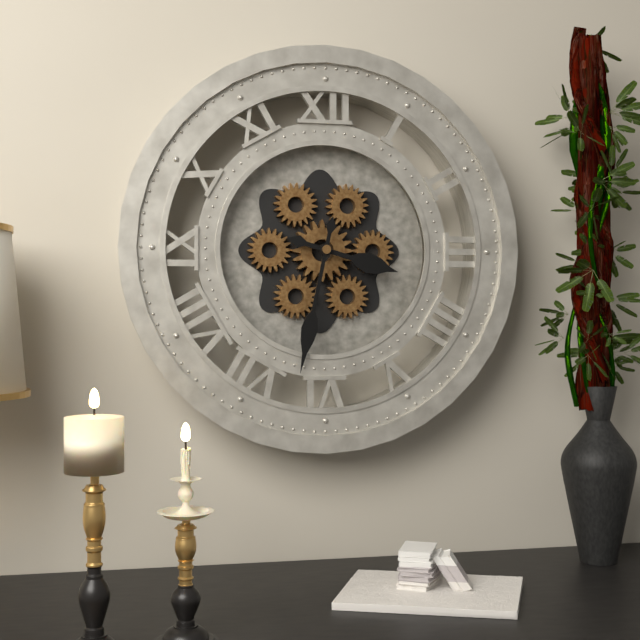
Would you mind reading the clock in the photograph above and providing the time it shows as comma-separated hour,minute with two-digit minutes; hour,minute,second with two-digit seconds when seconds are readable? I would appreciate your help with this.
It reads 3,32
